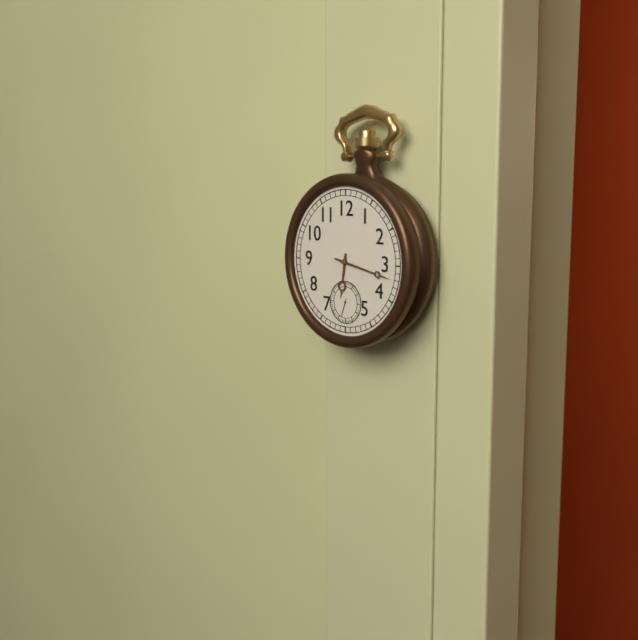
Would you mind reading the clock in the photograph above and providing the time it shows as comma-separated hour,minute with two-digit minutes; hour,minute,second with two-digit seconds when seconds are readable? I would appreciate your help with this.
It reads 6,17
